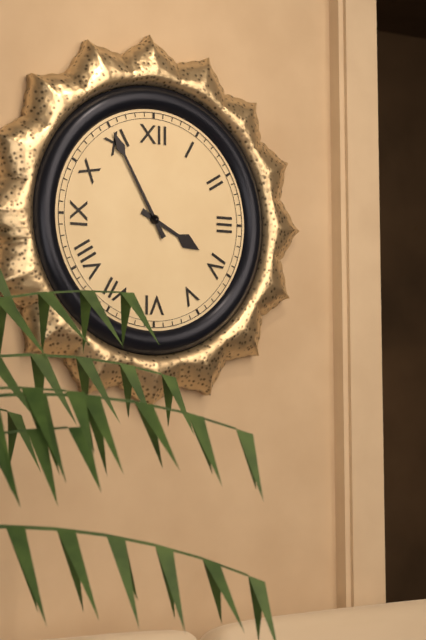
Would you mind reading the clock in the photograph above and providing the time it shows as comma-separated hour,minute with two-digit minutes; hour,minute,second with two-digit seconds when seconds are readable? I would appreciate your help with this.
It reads 3,55
